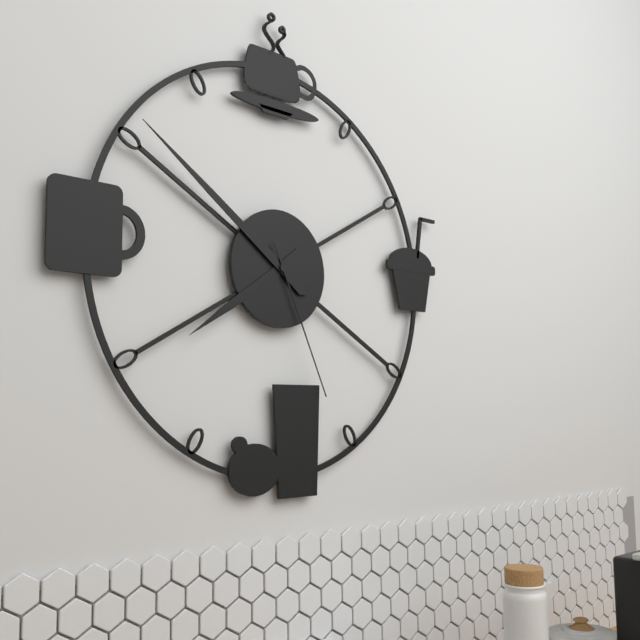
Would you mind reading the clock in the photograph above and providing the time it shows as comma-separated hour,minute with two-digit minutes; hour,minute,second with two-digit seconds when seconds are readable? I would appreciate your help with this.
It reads 7,51,26
